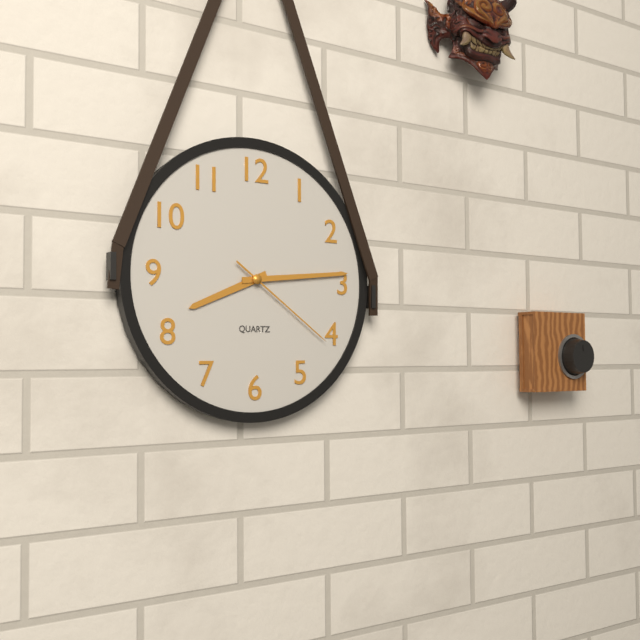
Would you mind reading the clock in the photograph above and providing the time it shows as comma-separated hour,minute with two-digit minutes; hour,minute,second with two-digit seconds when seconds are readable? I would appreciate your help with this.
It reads 8,14,21
